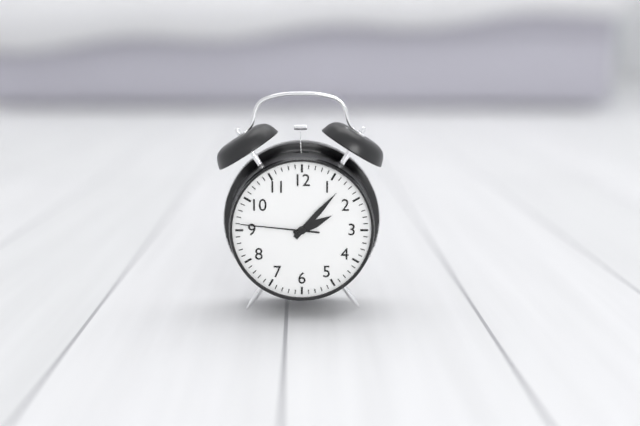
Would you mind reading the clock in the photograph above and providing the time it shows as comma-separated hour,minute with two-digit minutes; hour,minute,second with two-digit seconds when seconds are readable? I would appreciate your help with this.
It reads 2,07,46
